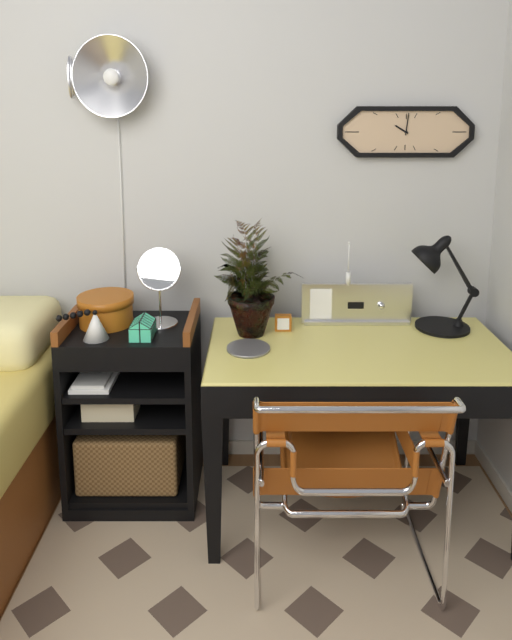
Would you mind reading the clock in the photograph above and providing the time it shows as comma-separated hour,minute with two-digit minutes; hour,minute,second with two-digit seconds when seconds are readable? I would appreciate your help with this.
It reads 10,01
